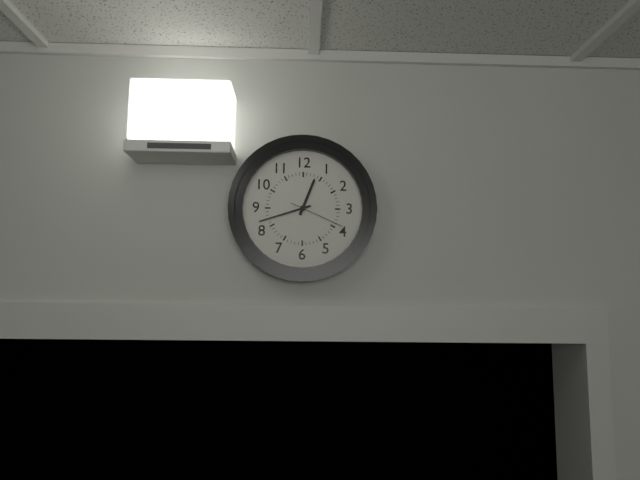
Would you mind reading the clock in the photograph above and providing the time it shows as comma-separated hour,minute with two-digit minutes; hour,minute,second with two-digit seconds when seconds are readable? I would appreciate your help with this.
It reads 12,42,19
